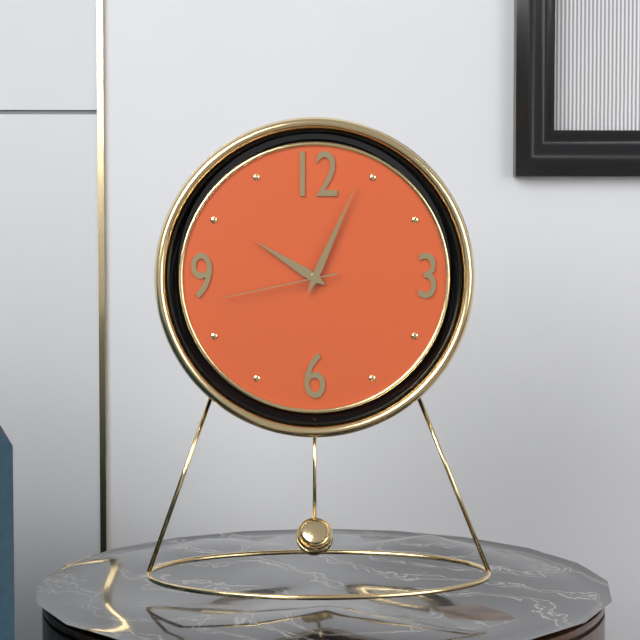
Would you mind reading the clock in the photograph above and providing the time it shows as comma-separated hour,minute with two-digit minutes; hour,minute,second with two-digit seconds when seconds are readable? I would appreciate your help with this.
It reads 10,04,43
